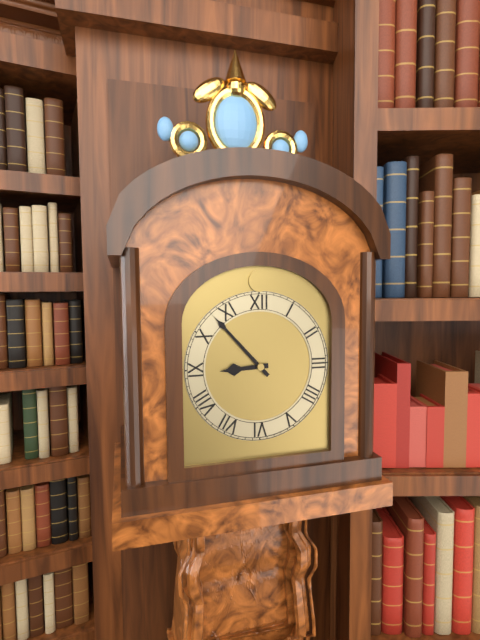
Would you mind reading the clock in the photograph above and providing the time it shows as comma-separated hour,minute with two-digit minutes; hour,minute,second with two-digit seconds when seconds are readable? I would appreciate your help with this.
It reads 8,53
